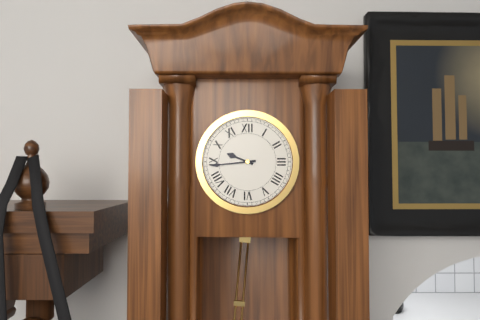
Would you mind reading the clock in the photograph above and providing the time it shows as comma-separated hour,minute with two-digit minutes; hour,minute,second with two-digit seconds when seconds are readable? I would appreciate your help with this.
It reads 9,44
